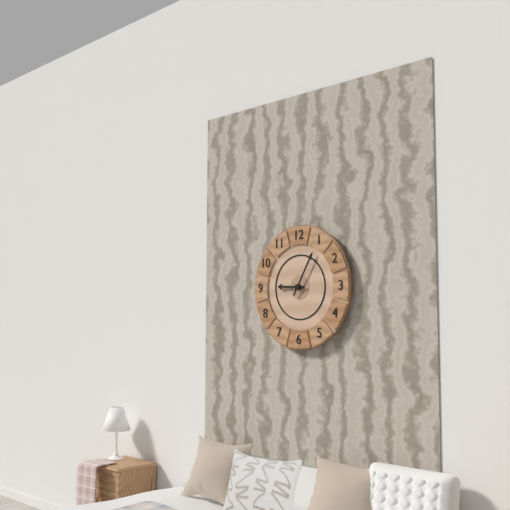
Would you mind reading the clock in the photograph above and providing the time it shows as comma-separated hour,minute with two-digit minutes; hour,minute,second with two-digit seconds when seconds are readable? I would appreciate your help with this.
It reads 9,05
